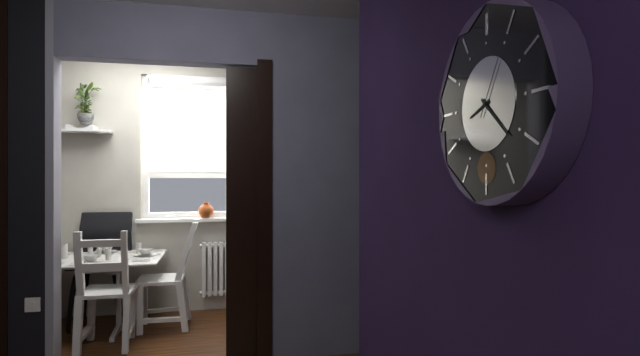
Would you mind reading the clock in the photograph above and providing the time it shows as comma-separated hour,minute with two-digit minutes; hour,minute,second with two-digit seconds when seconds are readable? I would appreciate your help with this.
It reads 8,22,05
